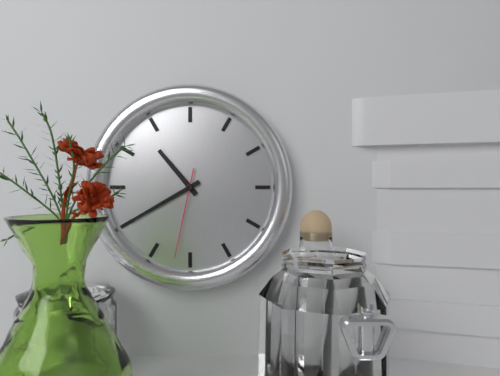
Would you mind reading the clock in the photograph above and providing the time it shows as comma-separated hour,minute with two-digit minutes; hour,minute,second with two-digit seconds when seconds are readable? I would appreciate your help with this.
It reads 10,40,32
